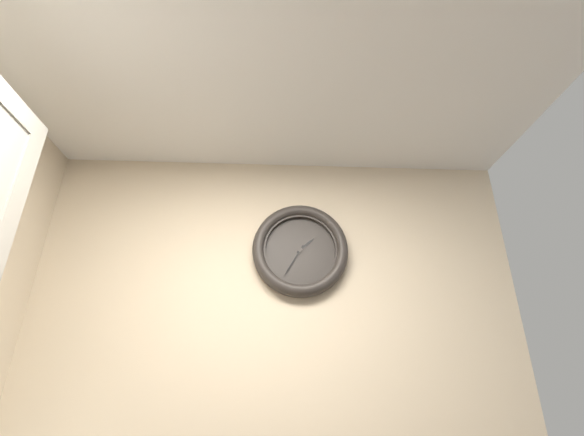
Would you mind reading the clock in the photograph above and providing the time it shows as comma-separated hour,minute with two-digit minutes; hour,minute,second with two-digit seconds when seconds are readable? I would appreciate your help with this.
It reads 1,35
